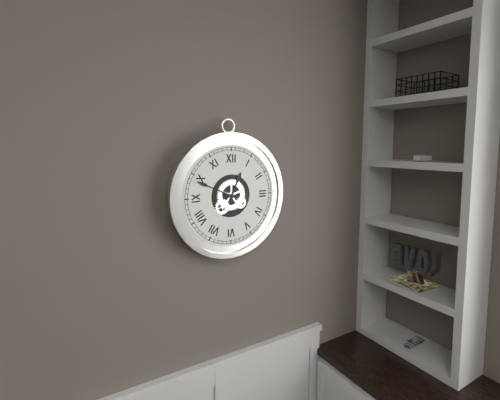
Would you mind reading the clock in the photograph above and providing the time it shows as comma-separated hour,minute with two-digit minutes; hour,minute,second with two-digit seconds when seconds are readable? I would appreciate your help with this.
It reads 12,49
